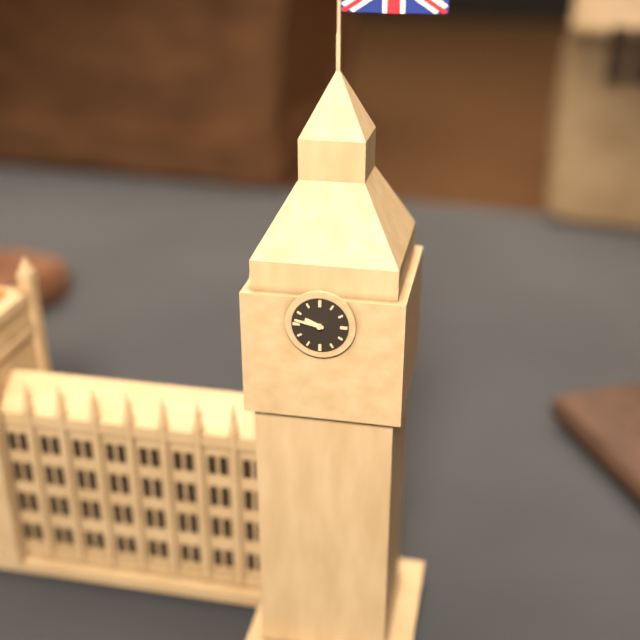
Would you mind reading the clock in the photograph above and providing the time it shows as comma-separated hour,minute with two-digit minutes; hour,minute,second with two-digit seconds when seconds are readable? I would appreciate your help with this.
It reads 9,47
